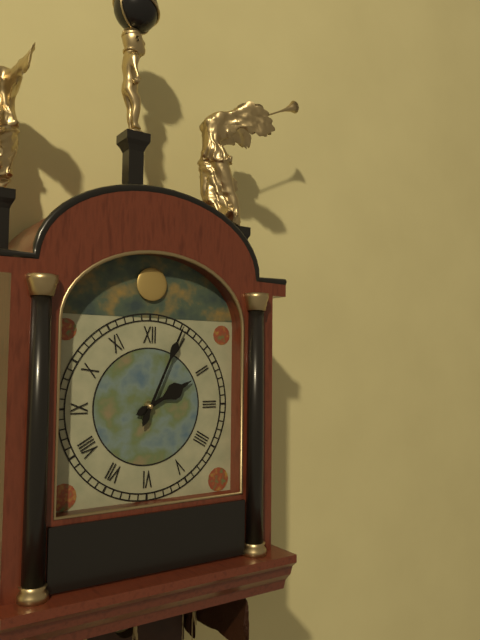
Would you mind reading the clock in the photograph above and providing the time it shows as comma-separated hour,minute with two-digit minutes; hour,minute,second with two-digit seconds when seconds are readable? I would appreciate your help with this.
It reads 2,04
